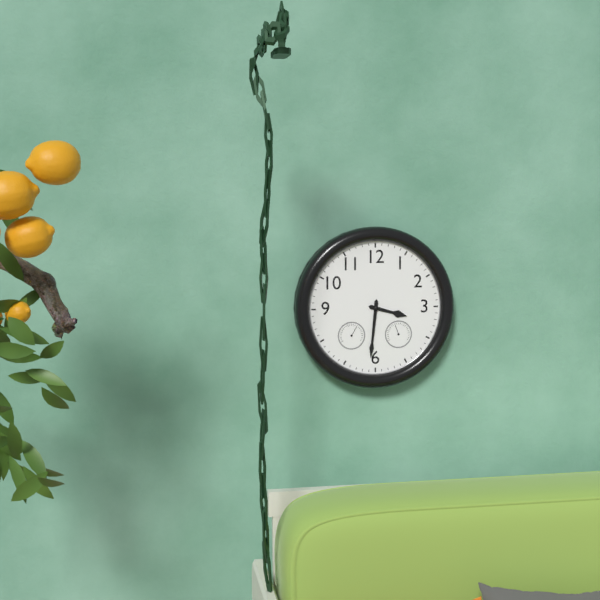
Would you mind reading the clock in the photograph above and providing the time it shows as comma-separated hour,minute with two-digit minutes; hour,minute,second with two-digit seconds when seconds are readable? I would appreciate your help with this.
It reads 3,31
